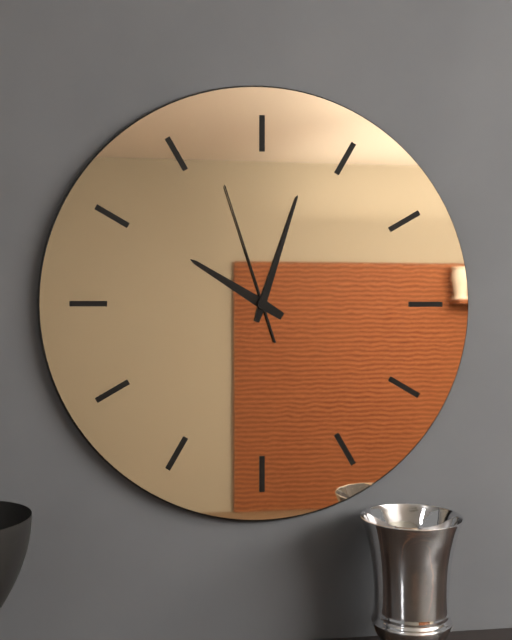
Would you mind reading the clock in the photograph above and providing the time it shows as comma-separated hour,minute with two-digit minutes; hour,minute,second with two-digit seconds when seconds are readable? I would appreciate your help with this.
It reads 10,03,57
